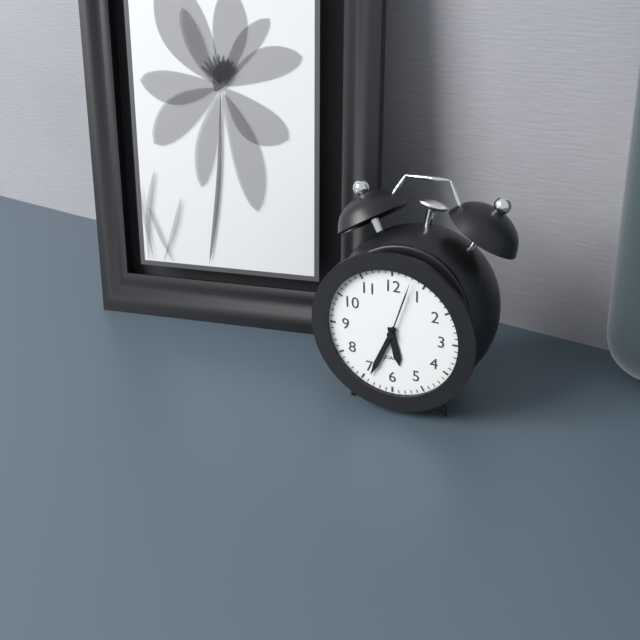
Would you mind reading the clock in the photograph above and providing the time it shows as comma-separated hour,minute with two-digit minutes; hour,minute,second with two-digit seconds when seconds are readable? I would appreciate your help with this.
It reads 5,34,03
